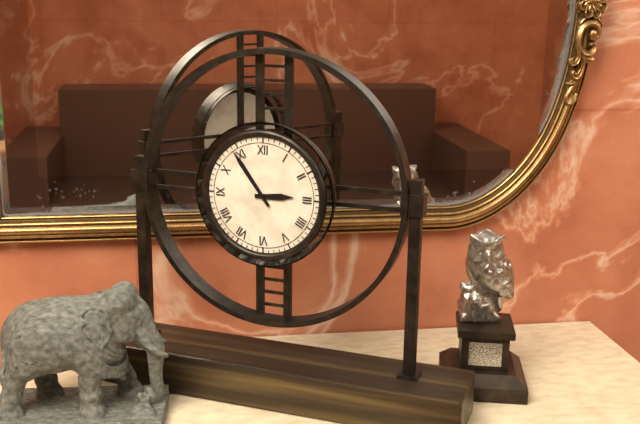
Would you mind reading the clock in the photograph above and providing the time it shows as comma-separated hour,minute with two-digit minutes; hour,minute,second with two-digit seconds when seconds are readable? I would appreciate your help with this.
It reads 2,54
